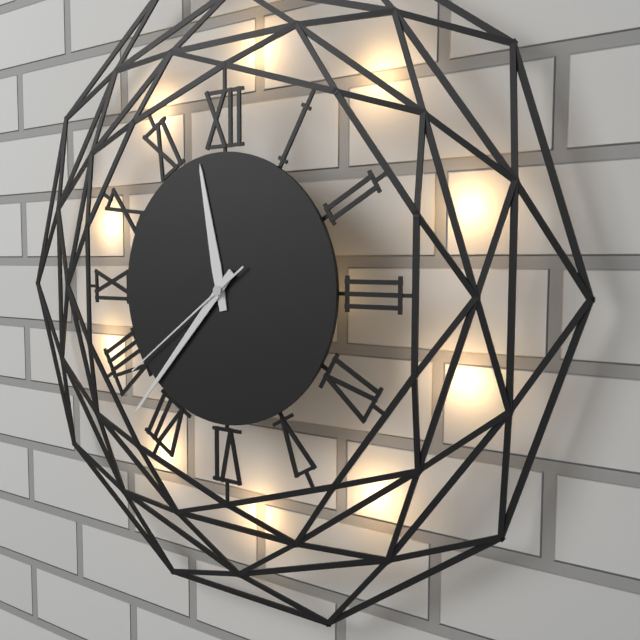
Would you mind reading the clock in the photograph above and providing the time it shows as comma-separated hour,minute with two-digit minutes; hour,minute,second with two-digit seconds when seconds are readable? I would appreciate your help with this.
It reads 11,37,39
